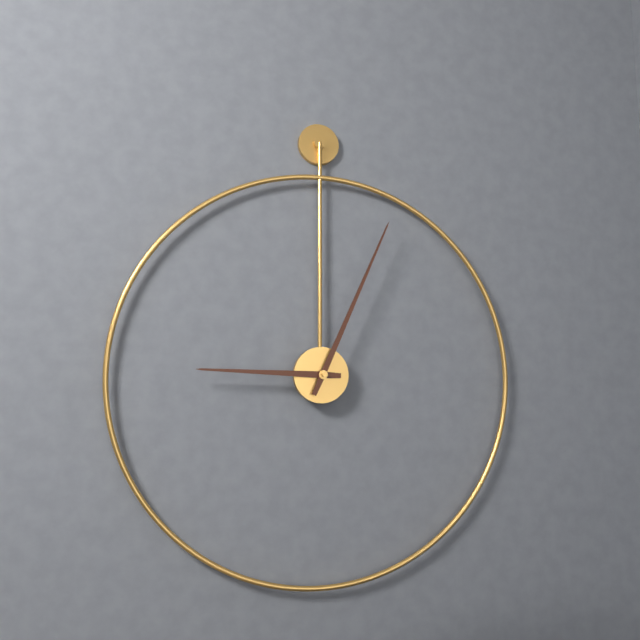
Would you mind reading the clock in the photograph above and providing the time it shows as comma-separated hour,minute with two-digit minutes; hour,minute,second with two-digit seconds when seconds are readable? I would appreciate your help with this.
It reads 9,04
